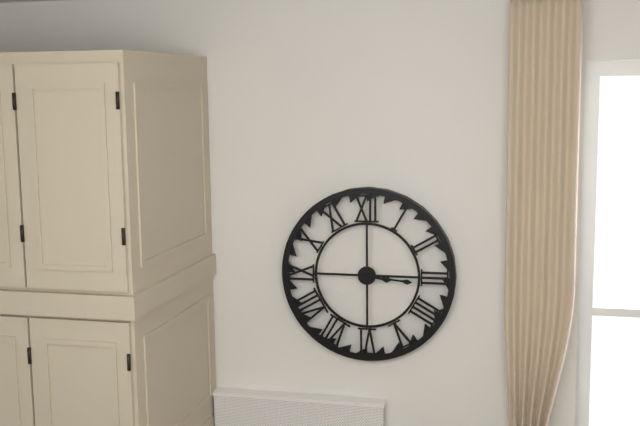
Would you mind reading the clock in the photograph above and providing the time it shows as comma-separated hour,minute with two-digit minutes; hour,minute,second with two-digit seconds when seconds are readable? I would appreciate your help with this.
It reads 3,16
